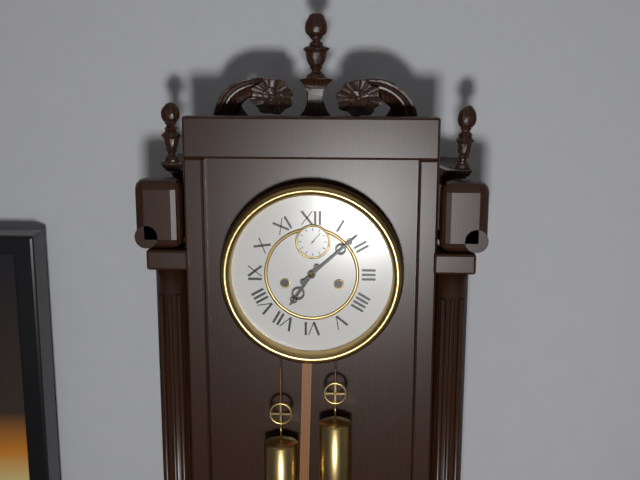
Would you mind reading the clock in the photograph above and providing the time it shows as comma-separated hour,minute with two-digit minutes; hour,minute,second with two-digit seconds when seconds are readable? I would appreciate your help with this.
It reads 7,08
